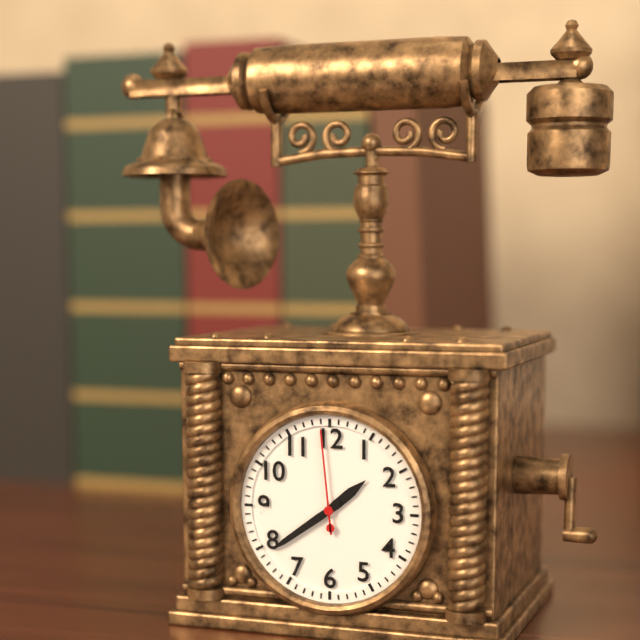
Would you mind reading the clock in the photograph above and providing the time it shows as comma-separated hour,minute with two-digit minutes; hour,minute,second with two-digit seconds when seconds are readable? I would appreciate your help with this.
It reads 1,39,59
